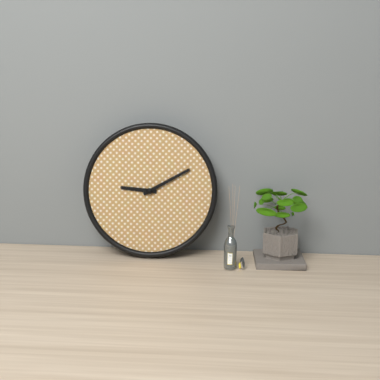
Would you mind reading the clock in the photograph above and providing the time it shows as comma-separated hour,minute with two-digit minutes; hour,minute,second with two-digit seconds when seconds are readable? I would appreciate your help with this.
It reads 9,10
